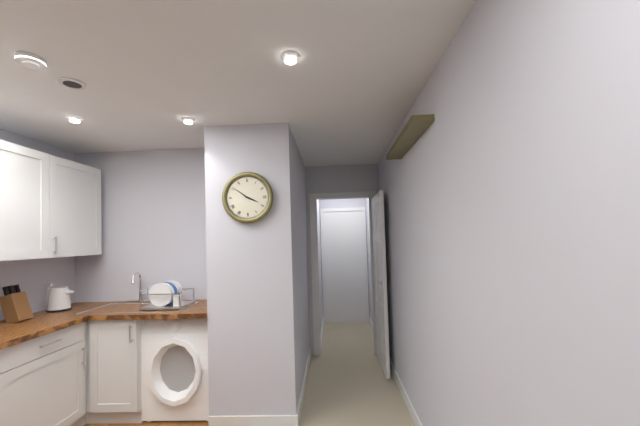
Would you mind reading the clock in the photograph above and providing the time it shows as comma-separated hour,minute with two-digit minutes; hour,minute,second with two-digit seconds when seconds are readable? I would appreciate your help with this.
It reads 3,51
